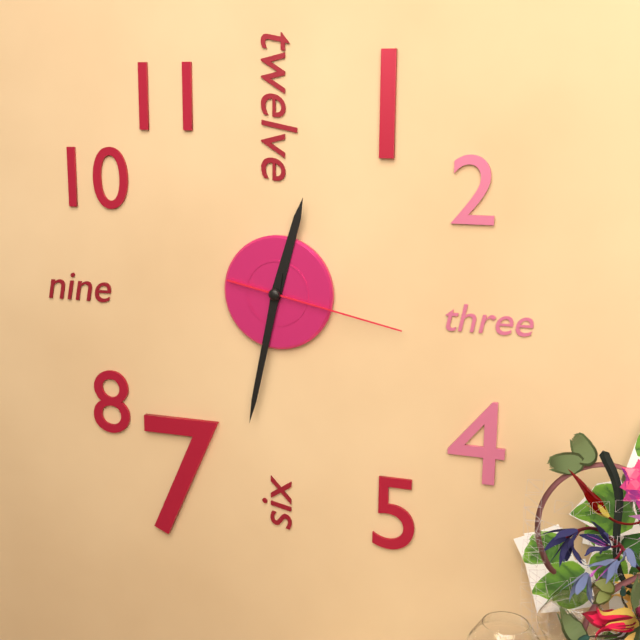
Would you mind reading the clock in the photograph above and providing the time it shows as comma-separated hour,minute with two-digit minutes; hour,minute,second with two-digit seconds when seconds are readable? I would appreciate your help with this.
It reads 12,32,17
